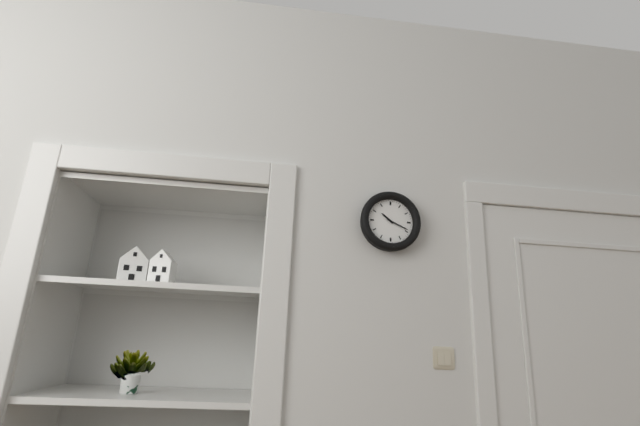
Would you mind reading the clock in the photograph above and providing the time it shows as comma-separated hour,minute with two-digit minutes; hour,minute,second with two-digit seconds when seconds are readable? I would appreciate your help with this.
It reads 10,19
